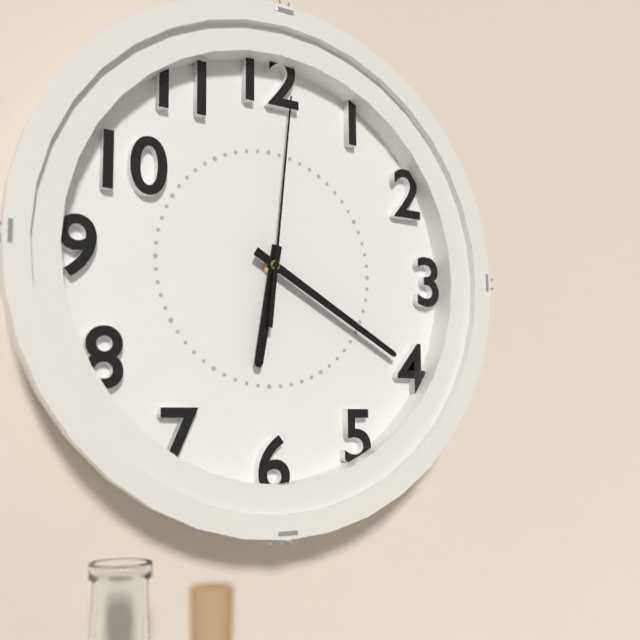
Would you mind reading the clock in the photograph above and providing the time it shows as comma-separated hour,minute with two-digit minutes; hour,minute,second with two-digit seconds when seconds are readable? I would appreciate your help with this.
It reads 6,20,01
